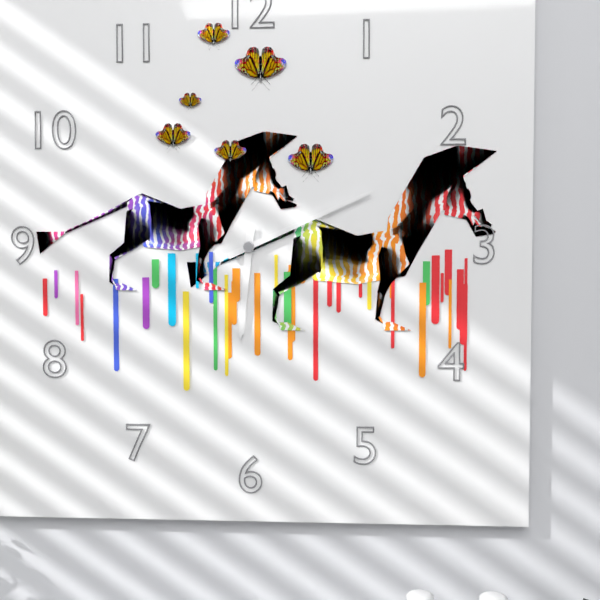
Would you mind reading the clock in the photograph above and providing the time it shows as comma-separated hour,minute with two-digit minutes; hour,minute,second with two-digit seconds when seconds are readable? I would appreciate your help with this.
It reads 6,11
